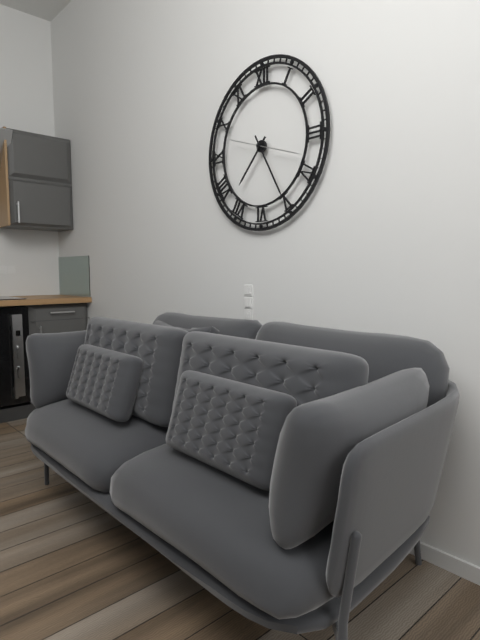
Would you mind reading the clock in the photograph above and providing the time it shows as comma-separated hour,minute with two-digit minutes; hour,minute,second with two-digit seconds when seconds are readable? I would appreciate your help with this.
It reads 7,25
